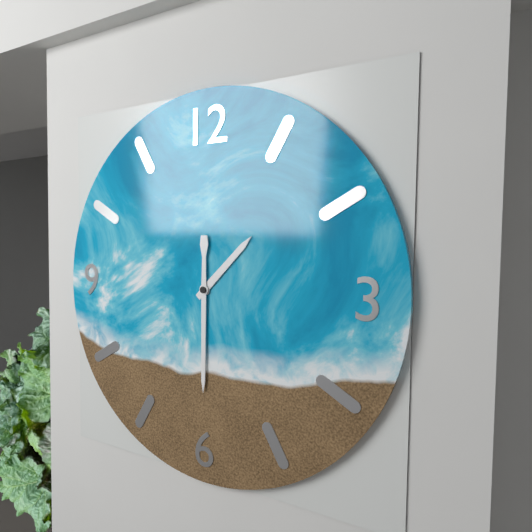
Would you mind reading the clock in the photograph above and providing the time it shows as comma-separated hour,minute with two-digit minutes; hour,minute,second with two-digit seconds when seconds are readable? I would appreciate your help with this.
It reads 1,30
